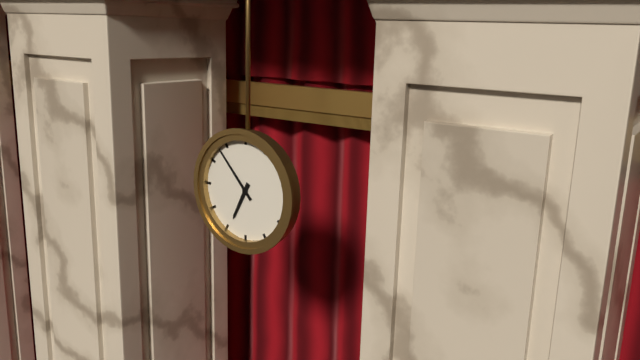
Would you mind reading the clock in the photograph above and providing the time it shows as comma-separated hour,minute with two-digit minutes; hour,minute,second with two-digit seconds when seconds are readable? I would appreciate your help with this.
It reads 6,53
